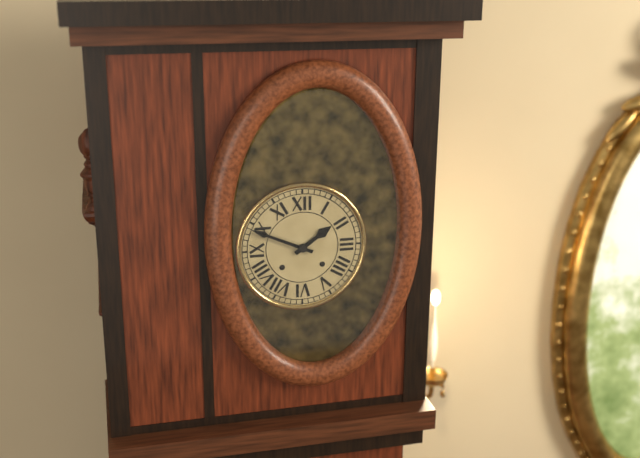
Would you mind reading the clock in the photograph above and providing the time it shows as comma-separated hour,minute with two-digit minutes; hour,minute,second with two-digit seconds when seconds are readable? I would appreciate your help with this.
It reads 1,49
